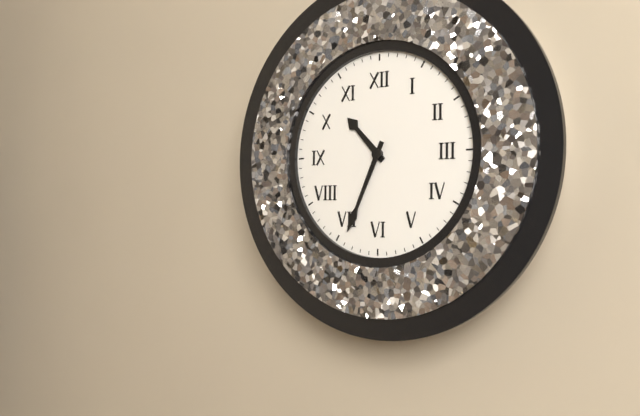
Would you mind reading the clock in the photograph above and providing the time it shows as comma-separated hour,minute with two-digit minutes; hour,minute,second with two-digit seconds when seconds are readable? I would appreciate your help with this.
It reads 10,34
